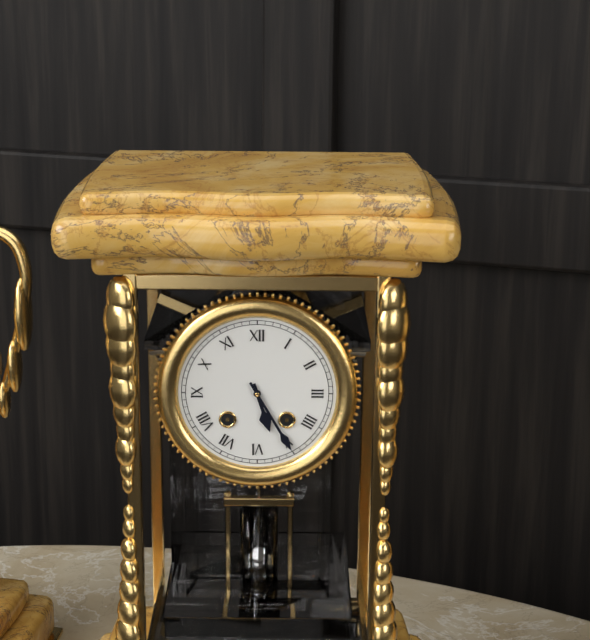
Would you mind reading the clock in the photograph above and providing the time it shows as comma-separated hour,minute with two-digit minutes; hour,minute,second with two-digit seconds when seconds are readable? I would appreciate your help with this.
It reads 5,25
